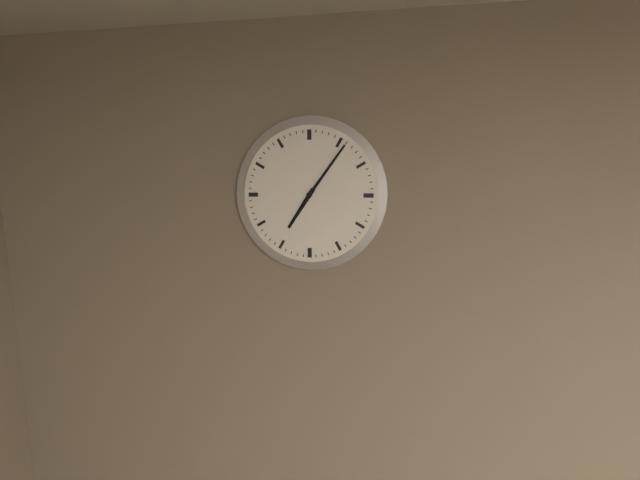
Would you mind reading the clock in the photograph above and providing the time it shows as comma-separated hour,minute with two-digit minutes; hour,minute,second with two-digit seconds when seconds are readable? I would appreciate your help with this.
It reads 7,06
